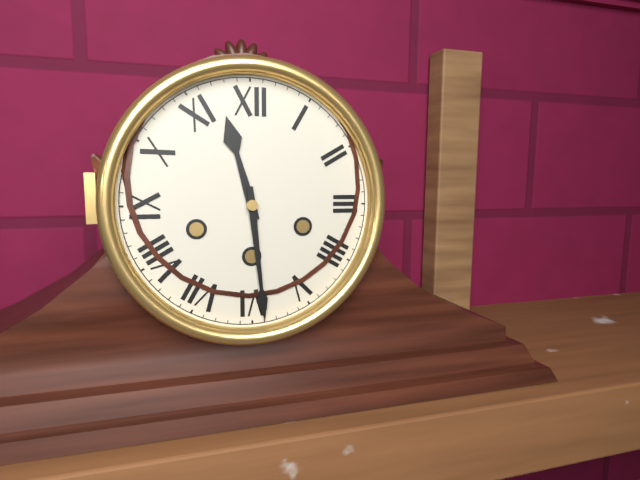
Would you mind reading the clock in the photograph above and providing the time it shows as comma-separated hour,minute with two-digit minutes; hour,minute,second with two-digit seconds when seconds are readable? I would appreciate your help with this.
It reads 11,29
